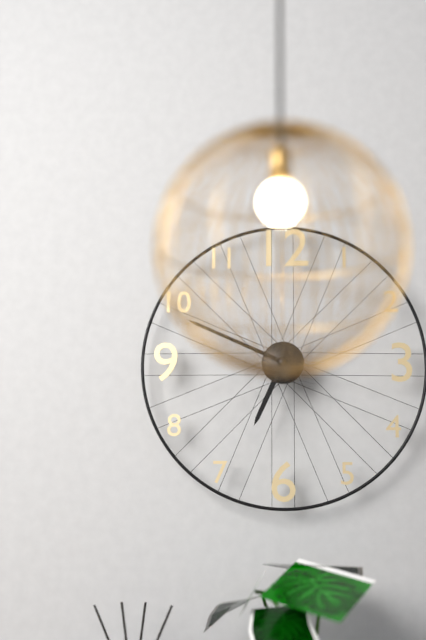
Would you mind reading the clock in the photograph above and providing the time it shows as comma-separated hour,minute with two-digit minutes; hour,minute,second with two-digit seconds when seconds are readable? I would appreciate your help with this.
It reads 6,49
